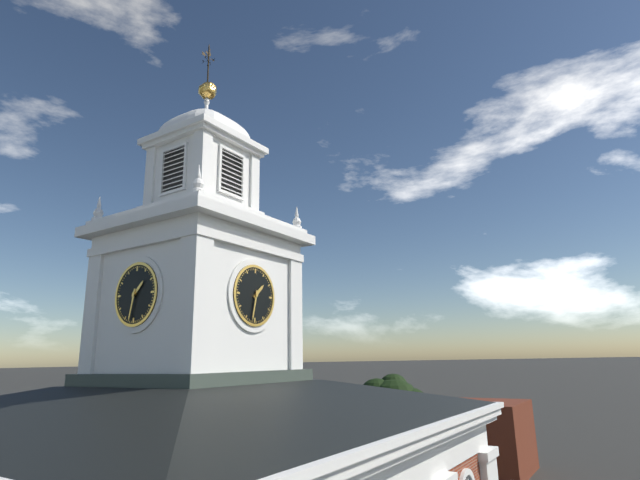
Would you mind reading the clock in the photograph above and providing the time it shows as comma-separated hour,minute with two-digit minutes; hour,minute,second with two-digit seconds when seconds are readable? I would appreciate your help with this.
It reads 1,32
